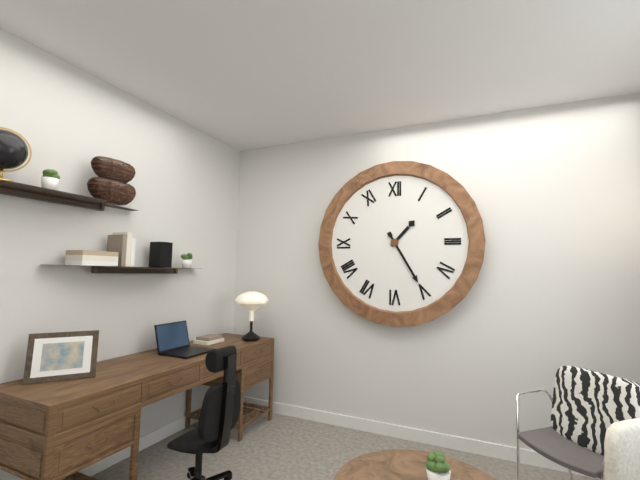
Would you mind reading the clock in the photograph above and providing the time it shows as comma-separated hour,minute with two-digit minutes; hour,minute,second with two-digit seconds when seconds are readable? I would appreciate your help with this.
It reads 1,25
